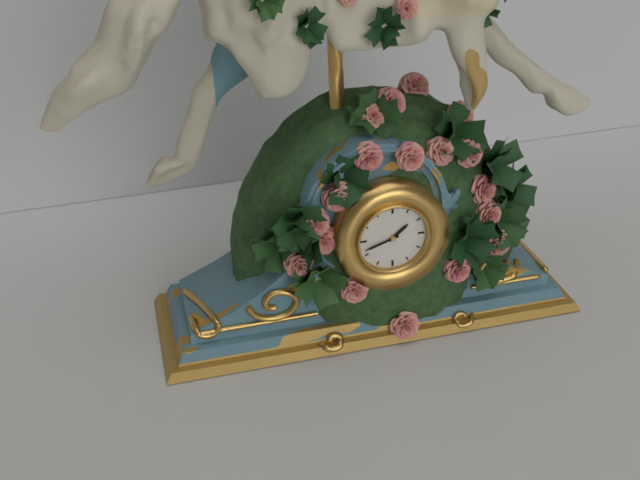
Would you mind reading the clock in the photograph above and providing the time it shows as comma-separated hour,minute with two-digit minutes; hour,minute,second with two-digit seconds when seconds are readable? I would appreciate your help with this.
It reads 1,42
